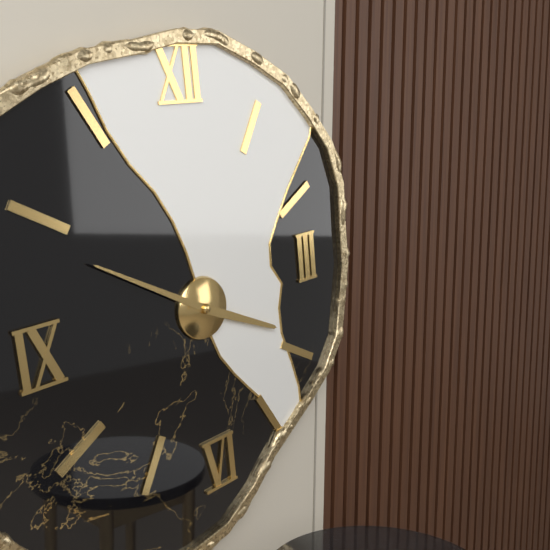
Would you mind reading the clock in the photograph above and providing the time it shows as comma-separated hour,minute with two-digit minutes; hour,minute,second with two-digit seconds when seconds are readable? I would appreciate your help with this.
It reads 3,50
